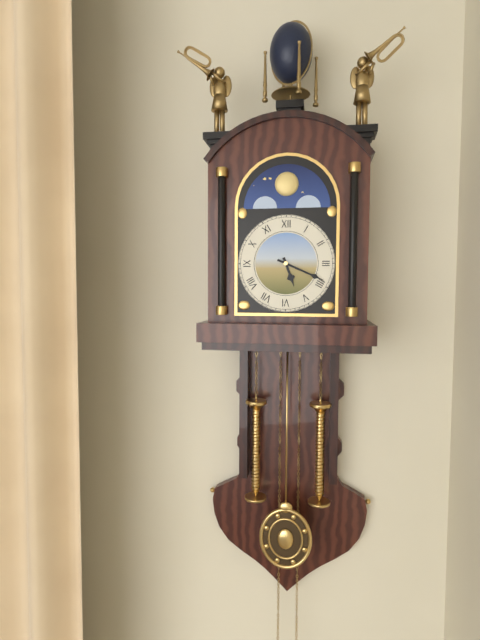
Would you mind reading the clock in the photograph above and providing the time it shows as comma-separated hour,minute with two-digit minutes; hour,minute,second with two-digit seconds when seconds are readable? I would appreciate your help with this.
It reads 5,19
